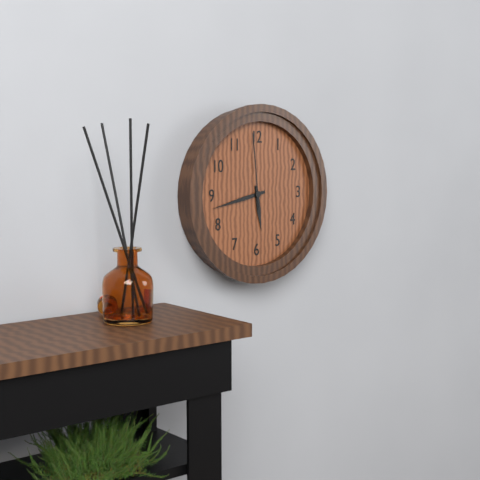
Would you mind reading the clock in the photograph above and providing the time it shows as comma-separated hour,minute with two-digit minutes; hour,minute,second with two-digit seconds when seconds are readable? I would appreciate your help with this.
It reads 5,43,59
